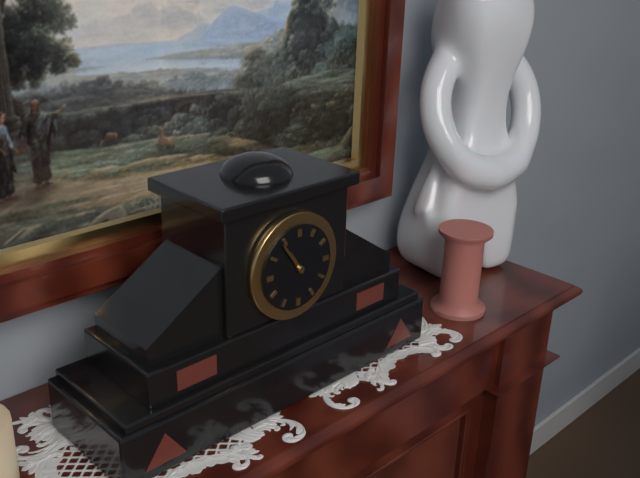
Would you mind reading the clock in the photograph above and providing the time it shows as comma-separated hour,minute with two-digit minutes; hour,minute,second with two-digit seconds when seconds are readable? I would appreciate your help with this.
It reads 10,54
